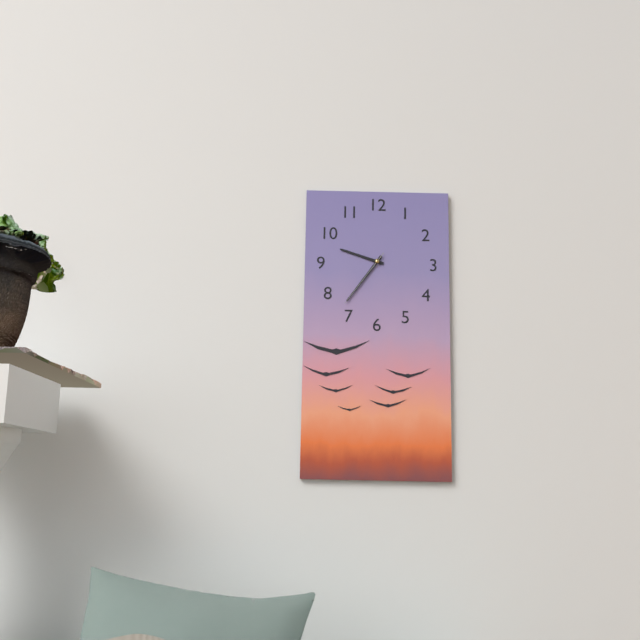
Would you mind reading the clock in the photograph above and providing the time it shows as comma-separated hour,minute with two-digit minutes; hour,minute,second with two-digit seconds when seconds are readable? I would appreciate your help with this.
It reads 9,36,36
